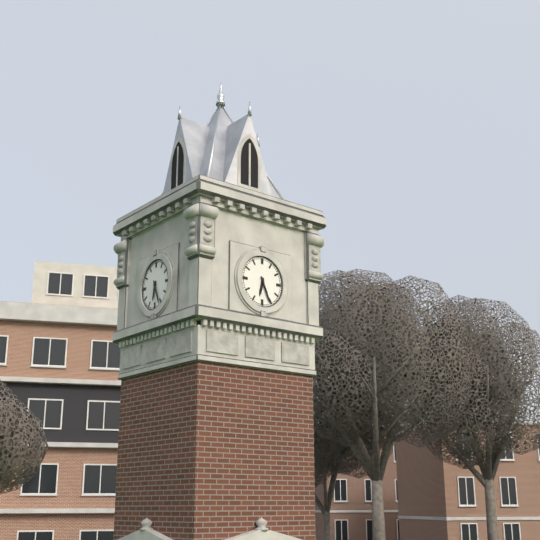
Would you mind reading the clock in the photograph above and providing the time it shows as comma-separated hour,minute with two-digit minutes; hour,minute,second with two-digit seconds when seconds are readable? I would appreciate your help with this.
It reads 6,26
